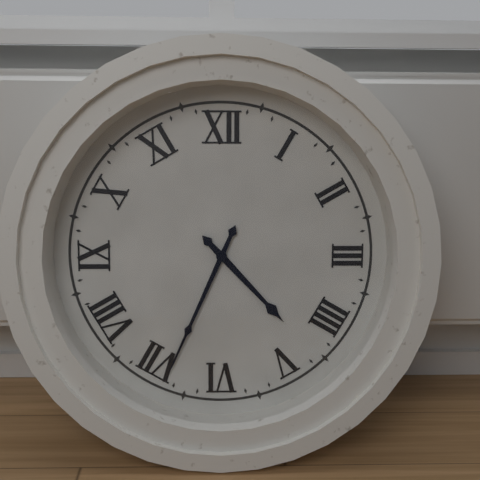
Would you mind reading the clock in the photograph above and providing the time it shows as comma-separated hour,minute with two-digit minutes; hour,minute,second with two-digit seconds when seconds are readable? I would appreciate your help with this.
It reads 4,34
